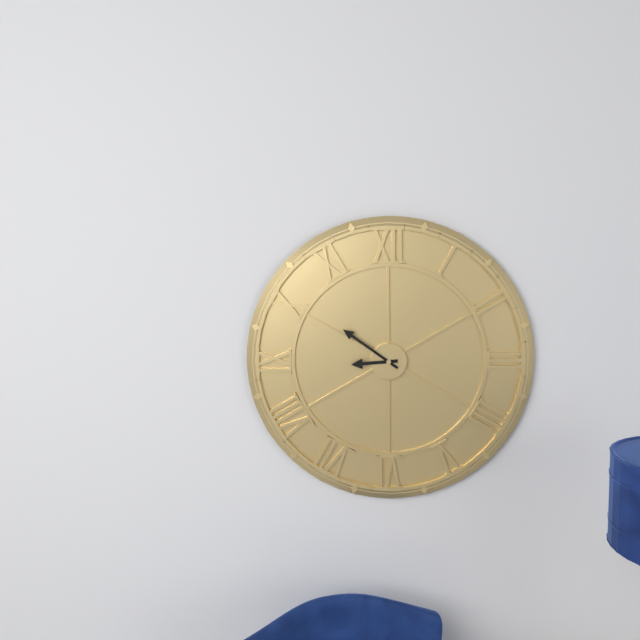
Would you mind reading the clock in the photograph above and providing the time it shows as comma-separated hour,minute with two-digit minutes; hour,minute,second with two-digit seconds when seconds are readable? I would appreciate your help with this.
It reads 8,51
